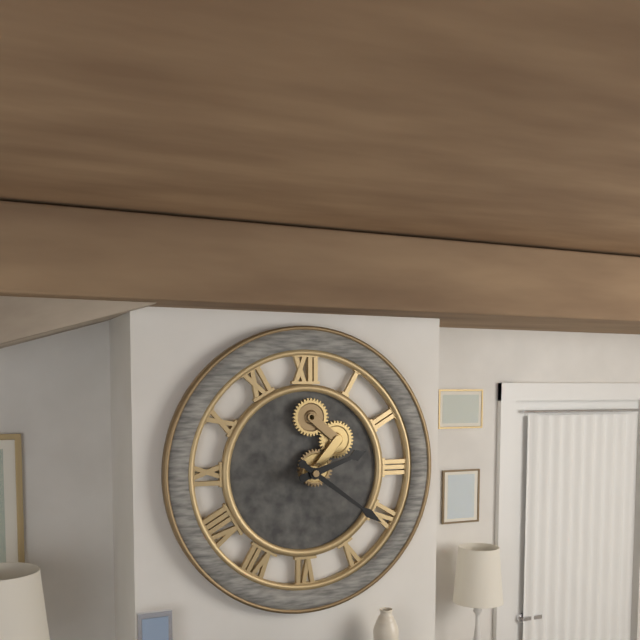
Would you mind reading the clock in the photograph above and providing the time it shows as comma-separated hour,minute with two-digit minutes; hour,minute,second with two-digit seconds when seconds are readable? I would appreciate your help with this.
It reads 2,21
